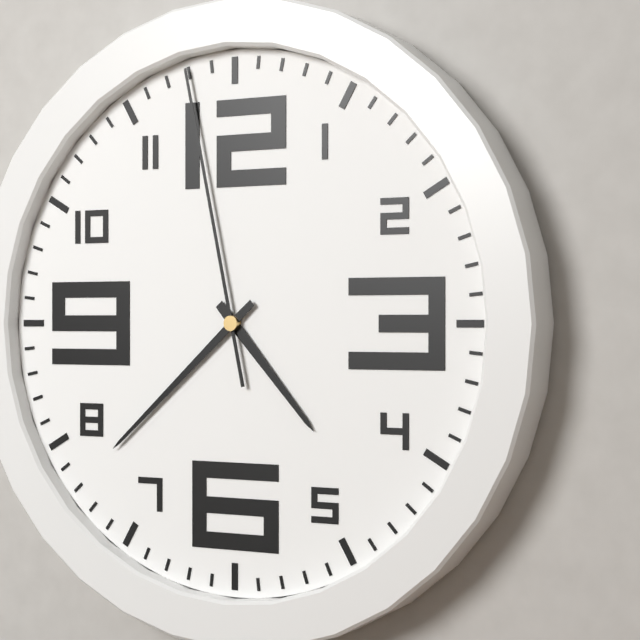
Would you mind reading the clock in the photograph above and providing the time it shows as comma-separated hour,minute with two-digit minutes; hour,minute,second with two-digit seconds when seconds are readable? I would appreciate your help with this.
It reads 4,38,58
